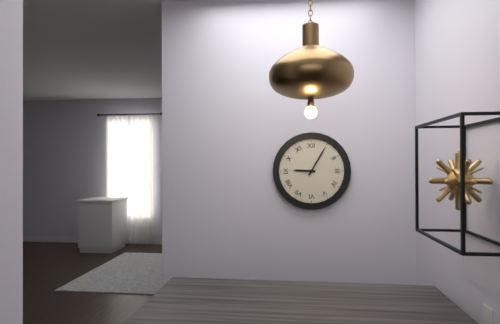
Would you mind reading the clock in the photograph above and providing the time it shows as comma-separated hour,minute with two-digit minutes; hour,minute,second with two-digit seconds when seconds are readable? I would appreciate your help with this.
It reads 9,05
